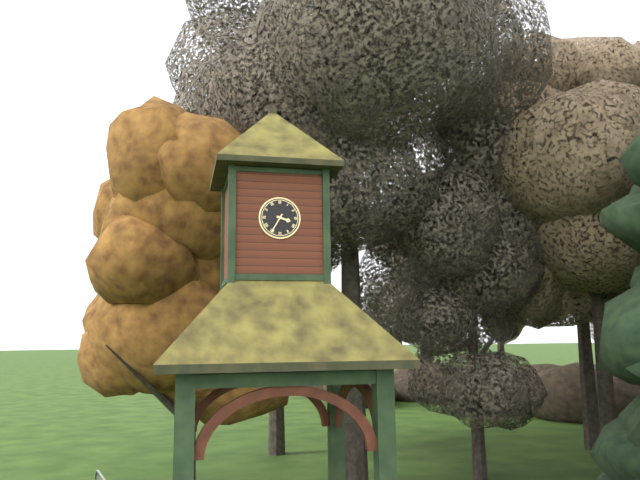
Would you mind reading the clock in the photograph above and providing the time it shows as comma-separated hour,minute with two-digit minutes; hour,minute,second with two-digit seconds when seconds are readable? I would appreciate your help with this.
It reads 3,35
